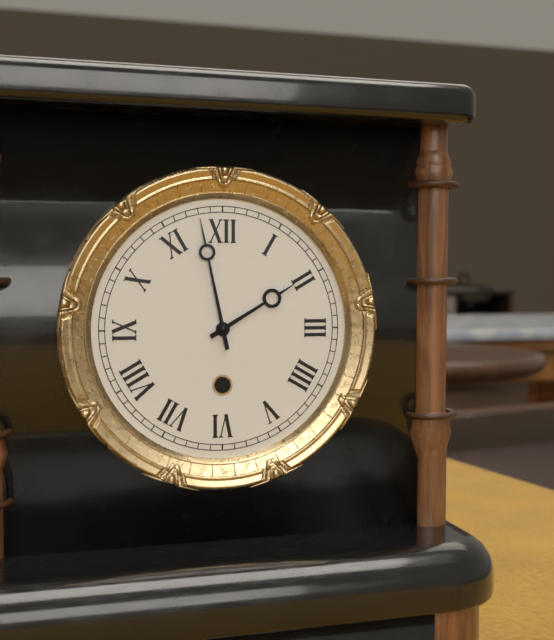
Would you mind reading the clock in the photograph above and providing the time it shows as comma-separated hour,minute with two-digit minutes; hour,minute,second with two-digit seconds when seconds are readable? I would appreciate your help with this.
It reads 1,58
